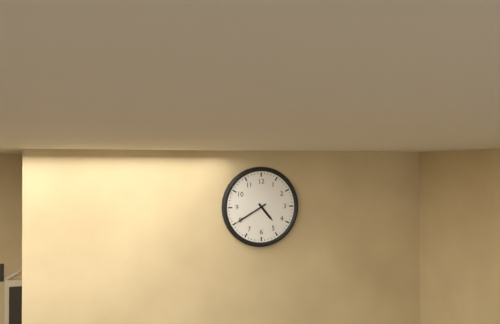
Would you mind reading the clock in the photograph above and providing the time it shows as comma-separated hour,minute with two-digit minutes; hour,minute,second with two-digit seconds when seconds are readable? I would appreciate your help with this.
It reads 4,40
